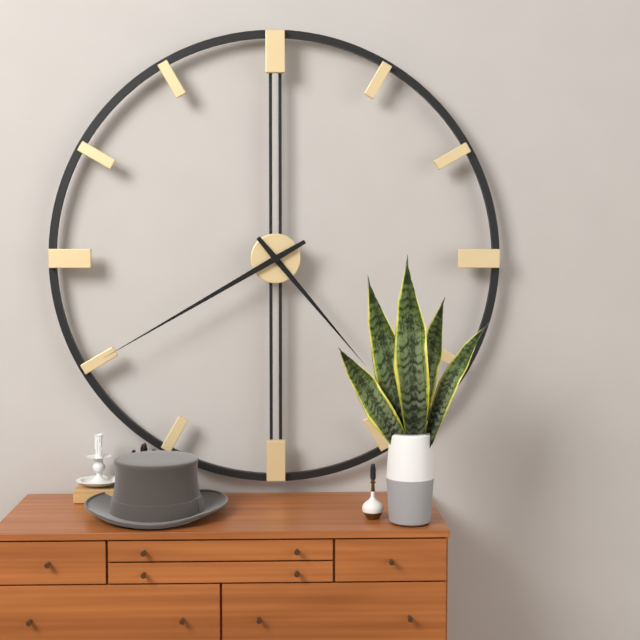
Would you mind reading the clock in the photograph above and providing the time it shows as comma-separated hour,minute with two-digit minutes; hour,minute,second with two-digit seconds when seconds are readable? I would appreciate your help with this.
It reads 4,40
